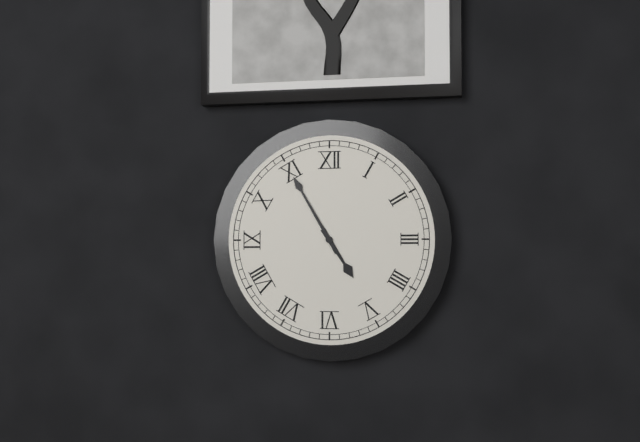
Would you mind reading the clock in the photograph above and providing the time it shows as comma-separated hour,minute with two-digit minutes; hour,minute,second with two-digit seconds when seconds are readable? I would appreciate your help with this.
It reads 4,55
